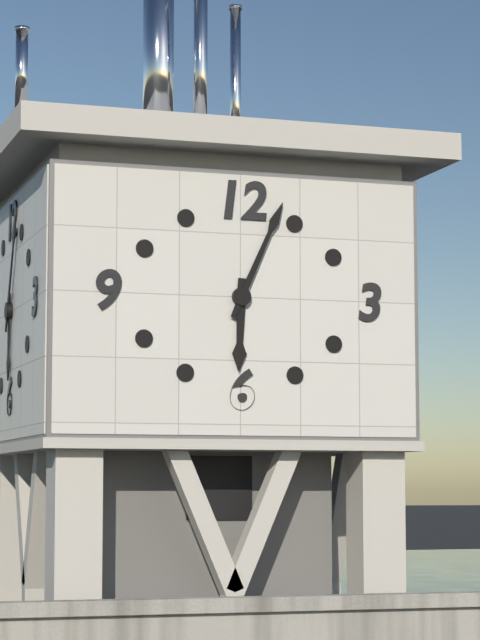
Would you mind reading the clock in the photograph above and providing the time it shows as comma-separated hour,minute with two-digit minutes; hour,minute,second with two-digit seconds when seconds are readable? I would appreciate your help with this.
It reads 6,04
